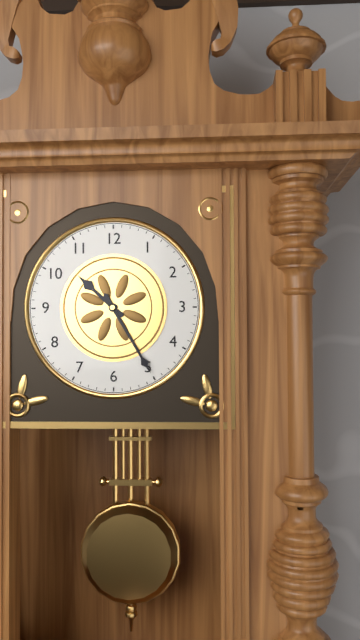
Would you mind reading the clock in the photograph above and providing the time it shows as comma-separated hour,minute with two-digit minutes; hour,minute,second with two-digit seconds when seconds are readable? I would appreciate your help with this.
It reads 10,25
